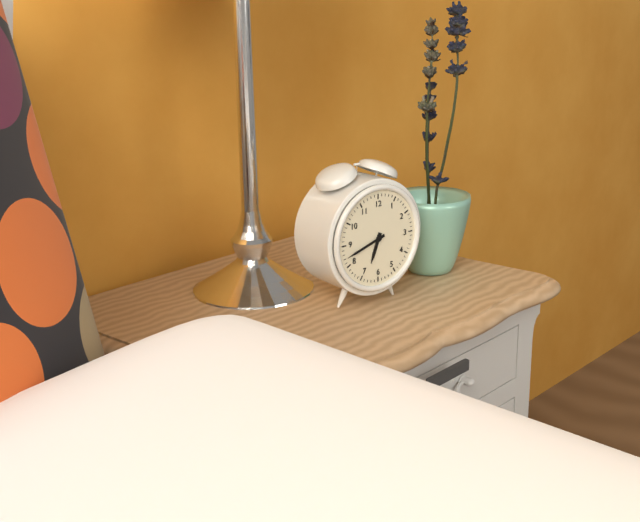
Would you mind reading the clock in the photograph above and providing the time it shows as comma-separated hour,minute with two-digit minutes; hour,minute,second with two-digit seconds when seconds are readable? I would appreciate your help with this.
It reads 6,42
